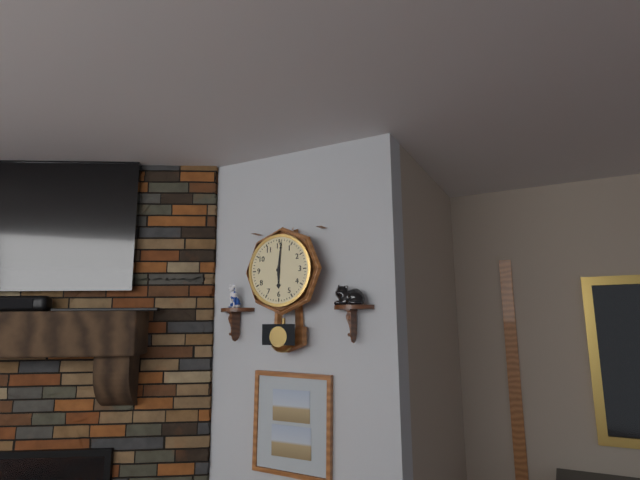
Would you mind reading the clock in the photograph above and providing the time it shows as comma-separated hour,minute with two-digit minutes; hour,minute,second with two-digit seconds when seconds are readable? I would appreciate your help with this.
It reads 6,01
